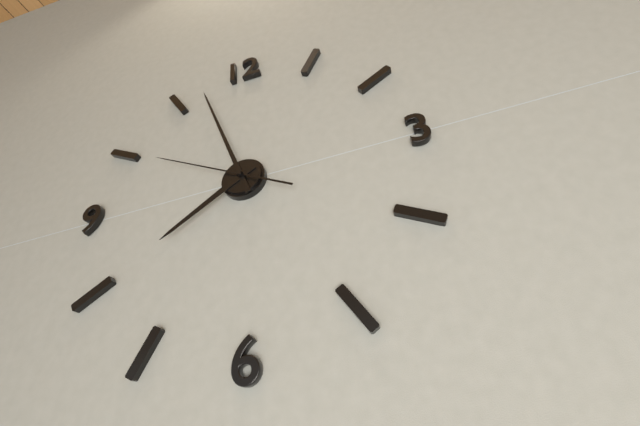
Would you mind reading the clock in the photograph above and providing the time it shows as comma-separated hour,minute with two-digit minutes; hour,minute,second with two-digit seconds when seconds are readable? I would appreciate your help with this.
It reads 7,57,50
